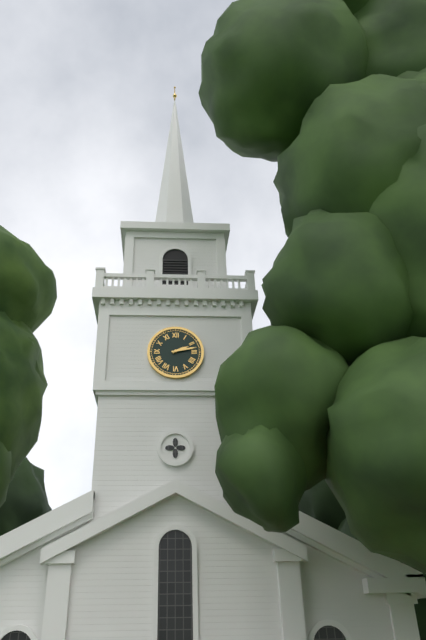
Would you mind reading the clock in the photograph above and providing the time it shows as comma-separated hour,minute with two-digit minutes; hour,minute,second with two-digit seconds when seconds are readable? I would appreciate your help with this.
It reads 2,13
